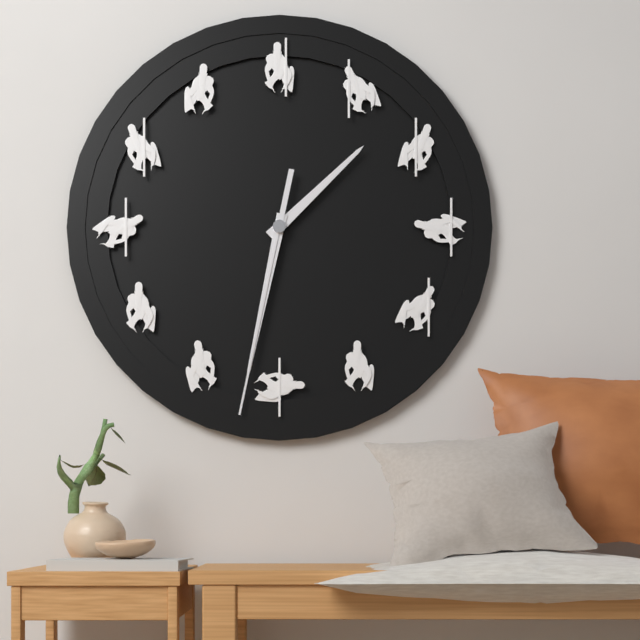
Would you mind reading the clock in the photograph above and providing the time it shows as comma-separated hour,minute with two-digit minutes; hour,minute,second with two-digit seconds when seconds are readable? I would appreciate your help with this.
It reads 1,32,32
